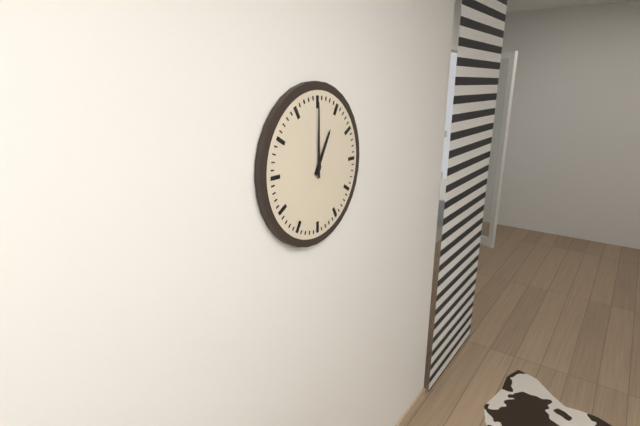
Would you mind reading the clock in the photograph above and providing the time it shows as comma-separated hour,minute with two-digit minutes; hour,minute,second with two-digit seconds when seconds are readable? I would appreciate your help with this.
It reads 1,00
